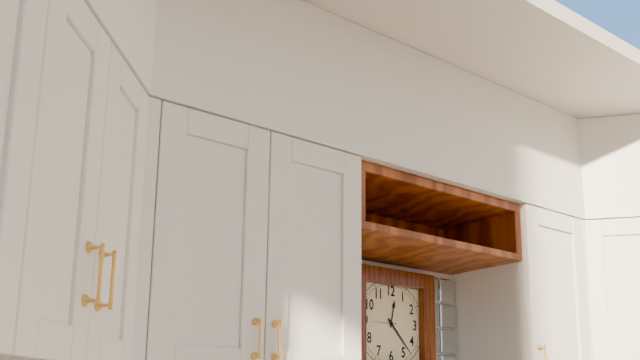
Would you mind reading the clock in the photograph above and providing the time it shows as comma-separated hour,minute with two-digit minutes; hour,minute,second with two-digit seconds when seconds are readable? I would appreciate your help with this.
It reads 12,23
